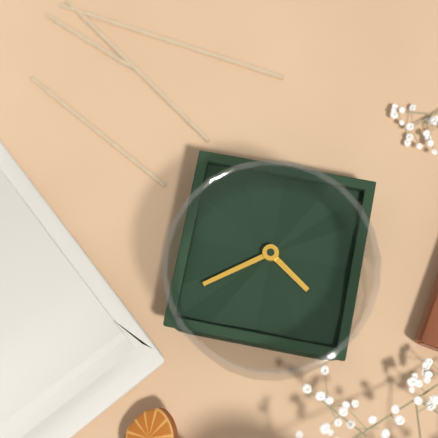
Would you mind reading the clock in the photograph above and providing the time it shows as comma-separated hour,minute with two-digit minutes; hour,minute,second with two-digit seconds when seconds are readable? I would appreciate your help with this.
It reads 10,09
